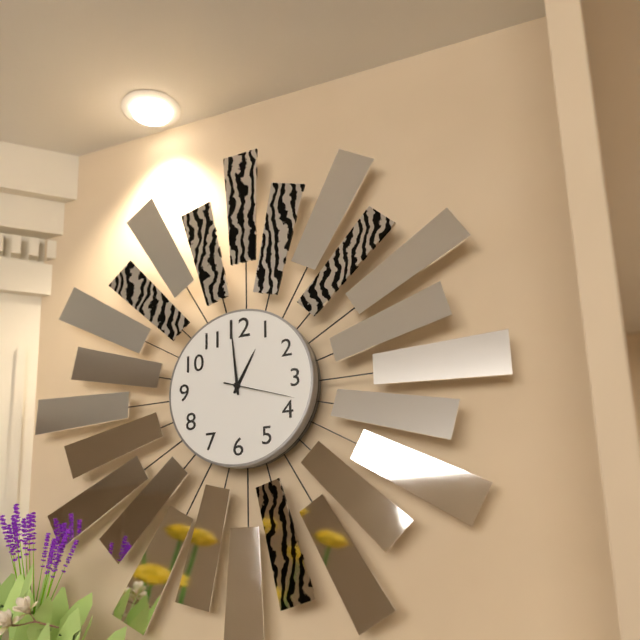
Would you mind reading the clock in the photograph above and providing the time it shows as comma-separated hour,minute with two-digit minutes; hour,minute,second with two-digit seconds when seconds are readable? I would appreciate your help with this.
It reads 12,59,18
